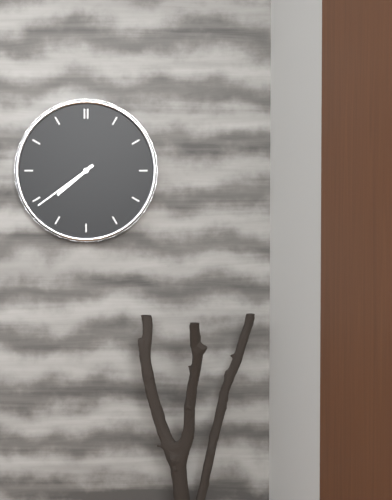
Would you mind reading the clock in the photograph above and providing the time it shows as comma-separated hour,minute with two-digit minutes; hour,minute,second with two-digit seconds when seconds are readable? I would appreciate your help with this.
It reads 7,39
